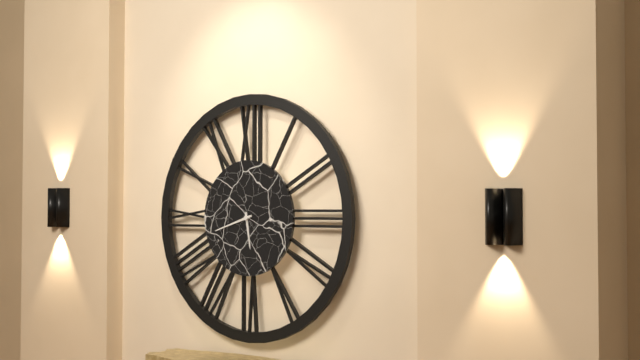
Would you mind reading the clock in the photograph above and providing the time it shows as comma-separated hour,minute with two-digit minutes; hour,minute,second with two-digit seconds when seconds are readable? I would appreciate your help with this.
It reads 5,42
